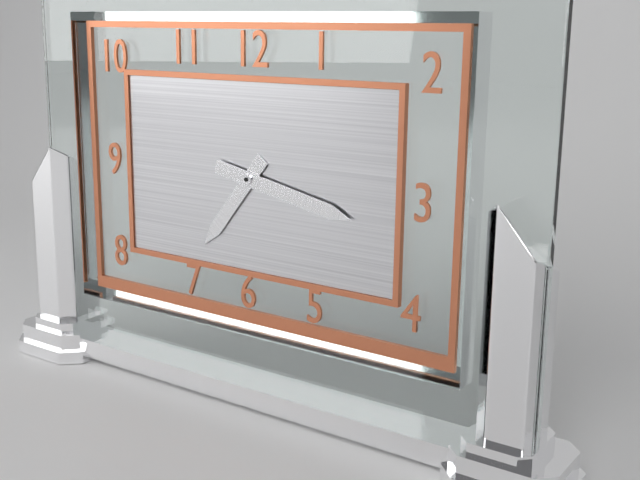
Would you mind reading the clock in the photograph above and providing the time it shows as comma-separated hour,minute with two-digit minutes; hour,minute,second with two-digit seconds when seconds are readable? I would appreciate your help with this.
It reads 7,17
